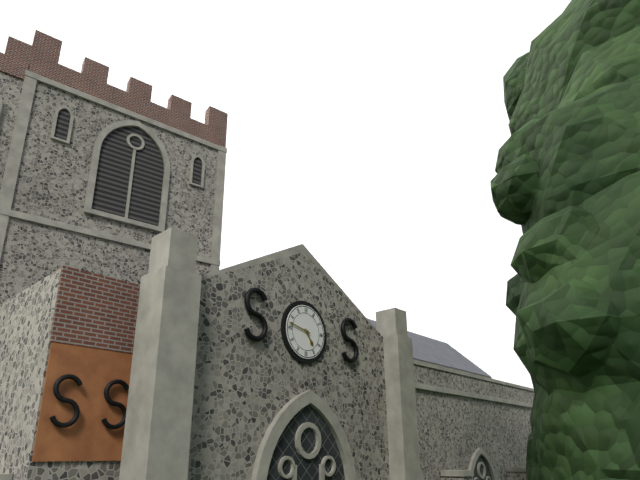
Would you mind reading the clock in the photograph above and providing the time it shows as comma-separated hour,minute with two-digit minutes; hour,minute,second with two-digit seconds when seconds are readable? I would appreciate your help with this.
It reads 4,47
